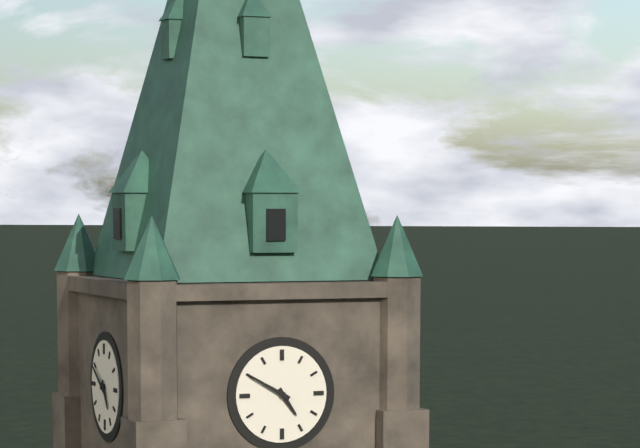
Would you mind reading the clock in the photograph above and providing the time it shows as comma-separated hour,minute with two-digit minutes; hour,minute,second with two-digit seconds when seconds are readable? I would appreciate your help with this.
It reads 4,50
